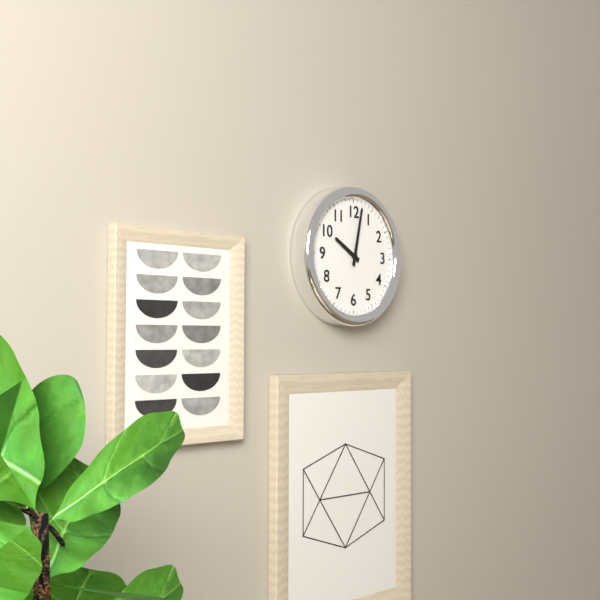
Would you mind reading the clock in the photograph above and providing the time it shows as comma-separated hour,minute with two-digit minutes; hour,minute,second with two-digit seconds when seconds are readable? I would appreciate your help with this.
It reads 10,02
